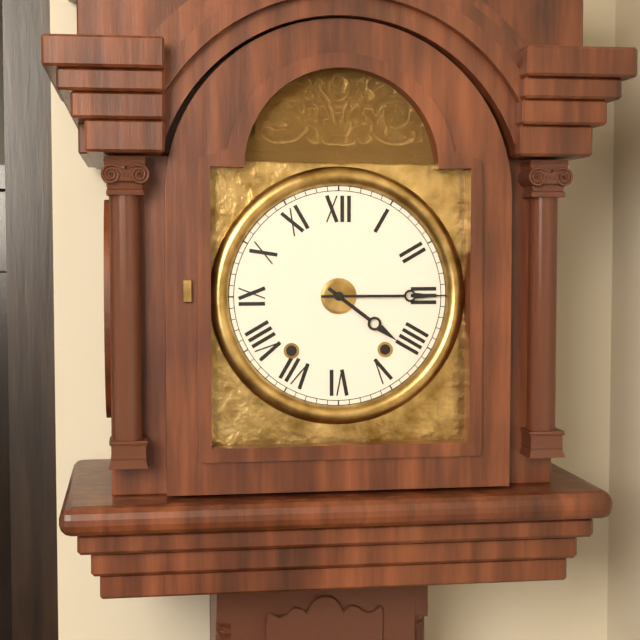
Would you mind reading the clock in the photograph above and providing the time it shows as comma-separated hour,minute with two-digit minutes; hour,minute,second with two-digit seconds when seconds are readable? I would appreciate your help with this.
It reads 4,15
